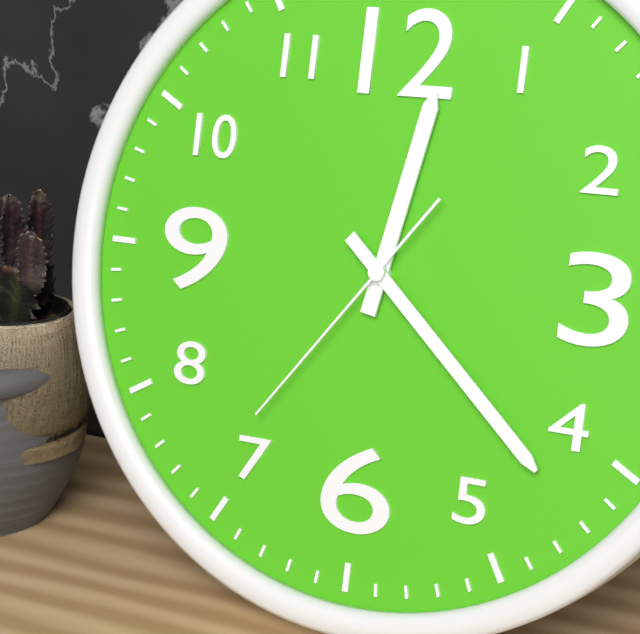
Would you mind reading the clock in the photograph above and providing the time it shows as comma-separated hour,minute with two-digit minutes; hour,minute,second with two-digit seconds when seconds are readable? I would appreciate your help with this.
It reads 12,22,36
